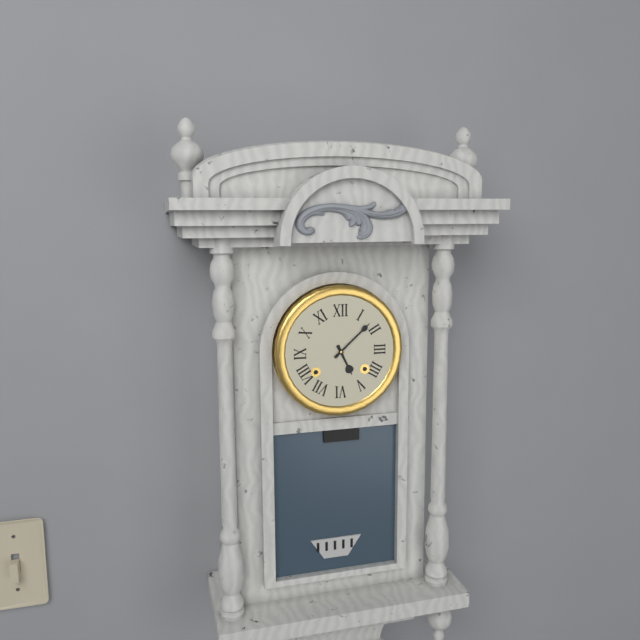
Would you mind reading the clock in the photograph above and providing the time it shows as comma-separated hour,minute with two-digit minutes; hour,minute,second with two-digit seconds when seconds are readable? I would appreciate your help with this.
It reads 5,08
